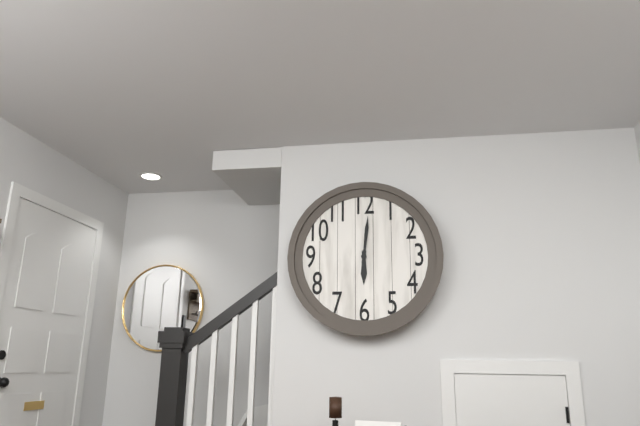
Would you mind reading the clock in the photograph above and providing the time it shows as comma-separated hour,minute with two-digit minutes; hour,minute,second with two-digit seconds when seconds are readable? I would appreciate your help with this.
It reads 6,01
